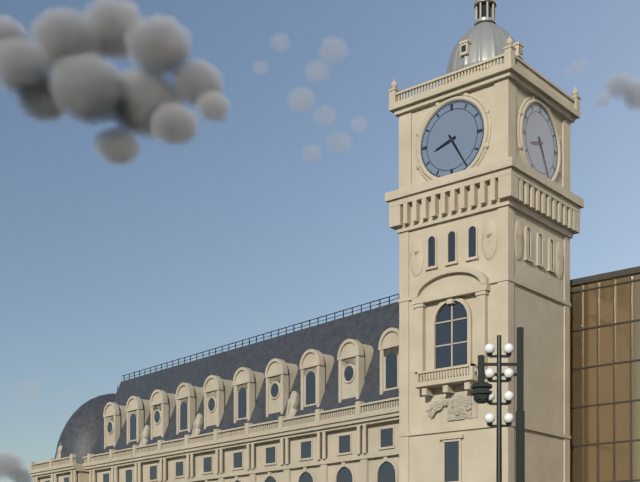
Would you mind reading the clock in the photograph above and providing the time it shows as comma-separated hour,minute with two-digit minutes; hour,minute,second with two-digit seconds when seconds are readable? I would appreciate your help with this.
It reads 8,25
